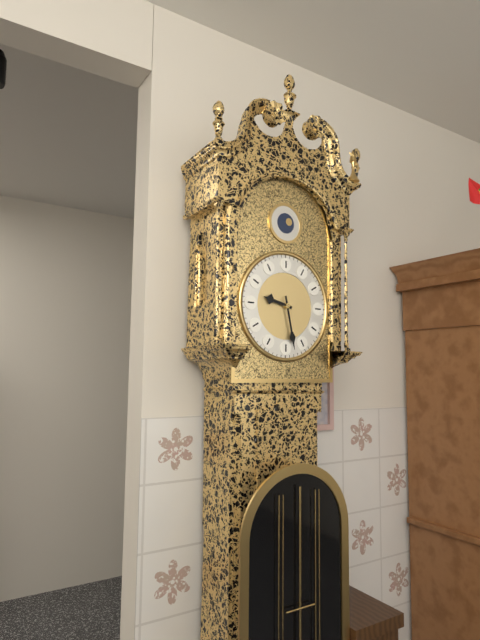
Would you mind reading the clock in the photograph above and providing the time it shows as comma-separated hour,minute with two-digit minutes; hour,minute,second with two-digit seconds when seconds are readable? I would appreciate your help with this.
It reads 9,28
